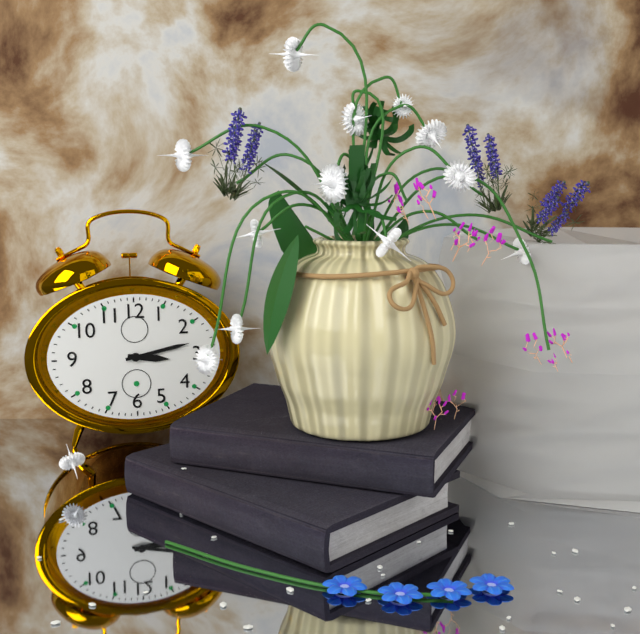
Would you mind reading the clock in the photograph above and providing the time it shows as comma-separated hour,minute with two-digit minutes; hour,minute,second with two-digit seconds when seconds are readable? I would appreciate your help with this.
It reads 3,13
